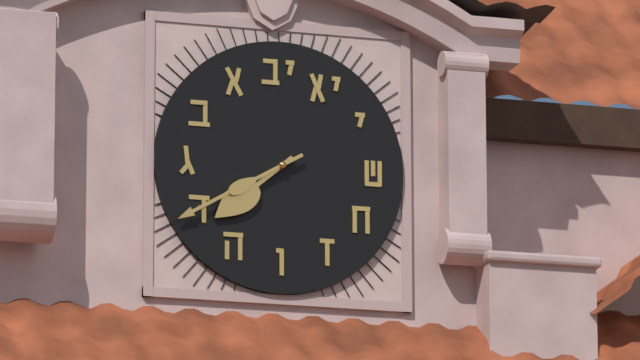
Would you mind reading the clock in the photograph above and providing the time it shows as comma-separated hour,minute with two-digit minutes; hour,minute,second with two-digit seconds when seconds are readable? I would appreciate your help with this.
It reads 7,40
